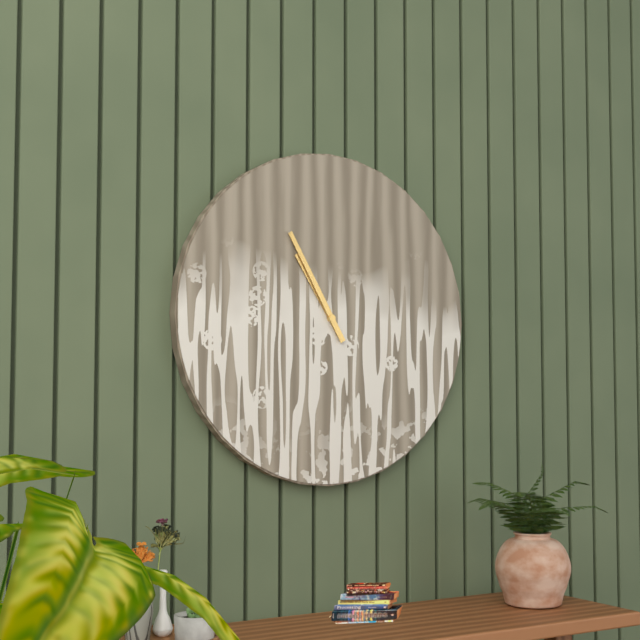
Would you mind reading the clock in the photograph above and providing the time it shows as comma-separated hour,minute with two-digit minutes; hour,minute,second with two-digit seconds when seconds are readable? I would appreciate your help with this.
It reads 10,55
